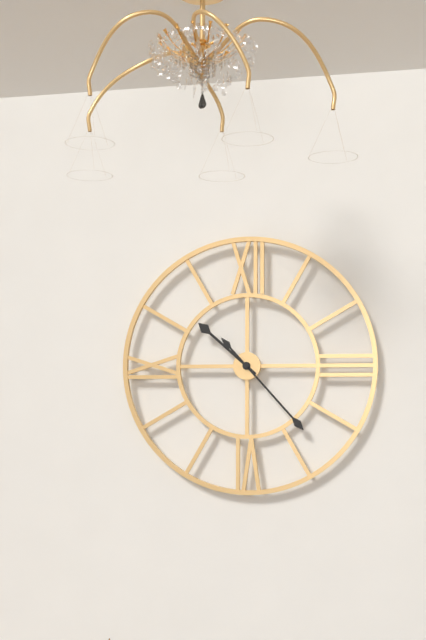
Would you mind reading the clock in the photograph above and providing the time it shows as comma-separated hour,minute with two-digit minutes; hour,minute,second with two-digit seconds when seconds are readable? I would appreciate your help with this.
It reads 10,23
